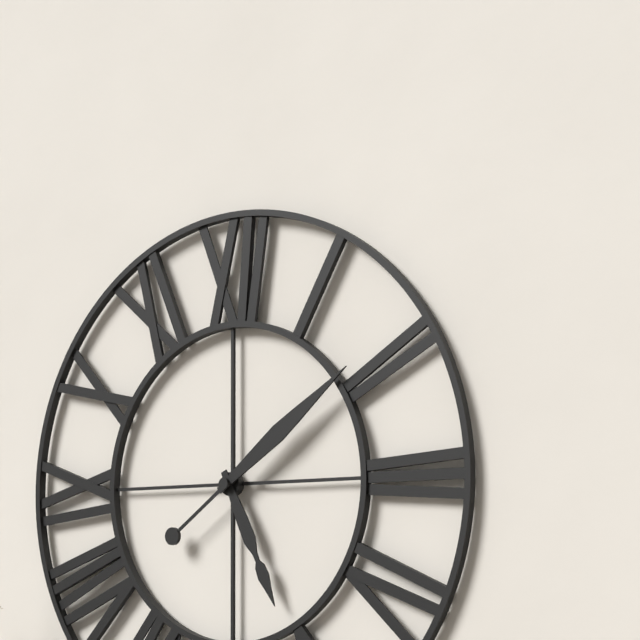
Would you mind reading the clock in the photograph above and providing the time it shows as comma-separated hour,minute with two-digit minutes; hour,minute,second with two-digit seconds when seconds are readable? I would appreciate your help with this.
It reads 5,09
